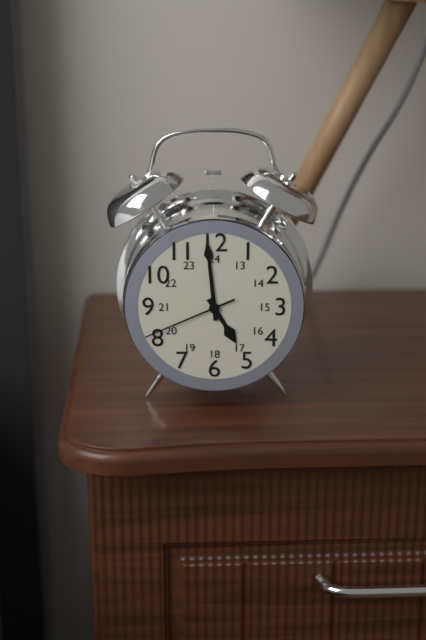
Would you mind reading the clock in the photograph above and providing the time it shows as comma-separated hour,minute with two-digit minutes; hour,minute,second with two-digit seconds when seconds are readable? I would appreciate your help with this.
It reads 4,59,41
